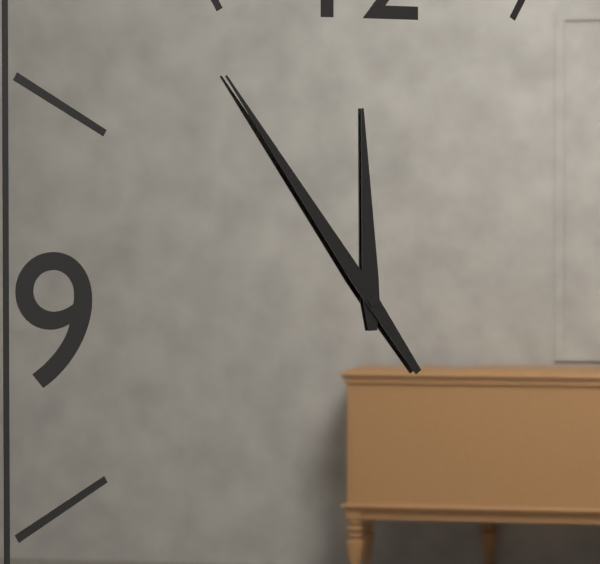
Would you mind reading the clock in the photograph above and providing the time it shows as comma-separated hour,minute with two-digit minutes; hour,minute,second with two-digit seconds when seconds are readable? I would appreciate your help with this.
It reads 11,54
